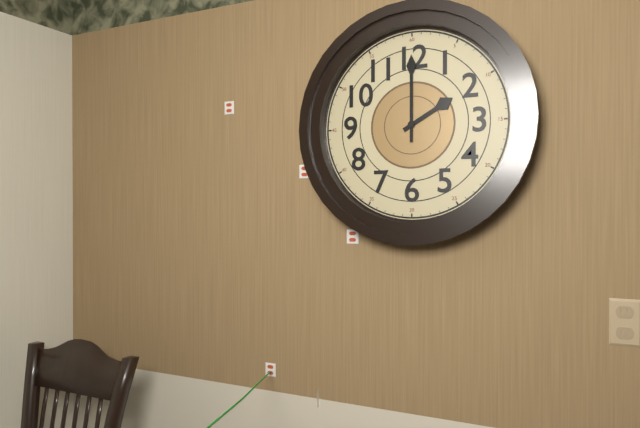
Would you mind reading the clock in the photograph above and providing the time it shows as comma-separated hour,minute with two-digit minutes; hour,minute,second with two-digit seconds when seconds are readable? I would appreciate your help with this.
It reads 2,00
